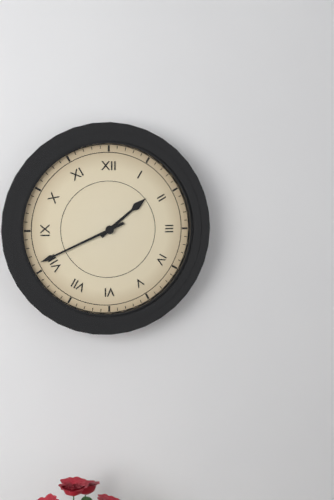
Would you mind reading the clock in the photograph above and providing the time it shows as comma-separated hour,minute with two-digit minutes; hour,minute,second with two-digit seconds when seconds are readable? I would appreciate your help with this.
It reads 1,41
